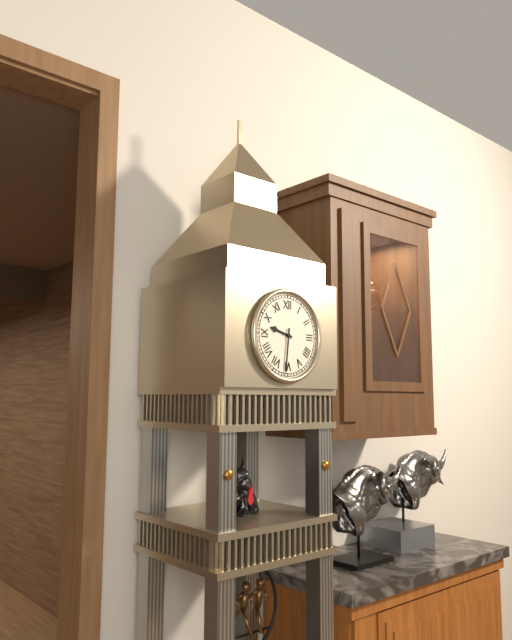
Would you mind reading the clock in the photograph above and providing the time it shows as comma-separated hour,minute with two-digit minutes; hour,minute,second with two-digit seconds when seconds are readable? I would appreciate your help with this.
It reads 9,31
